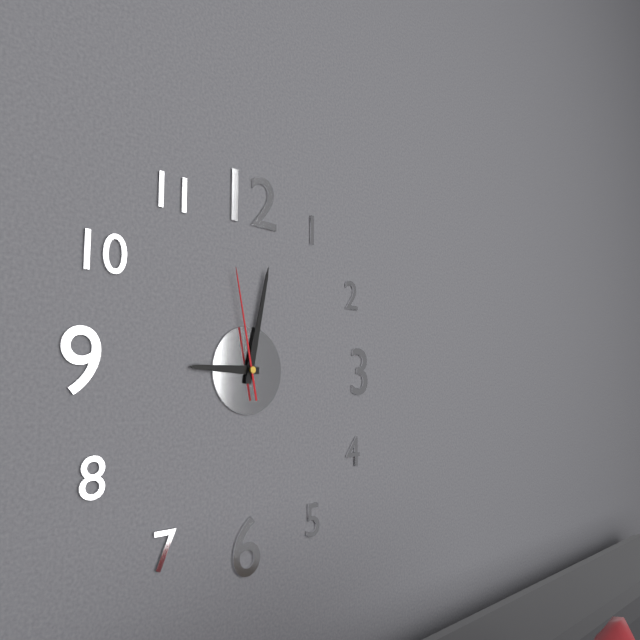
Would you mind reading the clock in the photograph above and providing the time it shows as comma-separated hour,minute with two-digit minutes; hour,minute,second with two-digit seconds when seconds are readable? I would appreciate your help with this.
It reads 9,02,58
